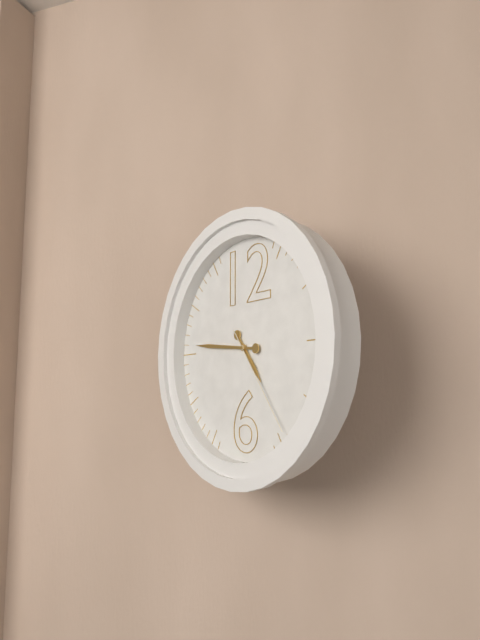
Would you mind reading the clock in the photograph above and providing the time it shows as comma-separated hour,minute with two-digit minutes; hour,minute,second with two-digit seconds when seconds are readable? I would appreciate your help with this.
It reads 4,46,24
